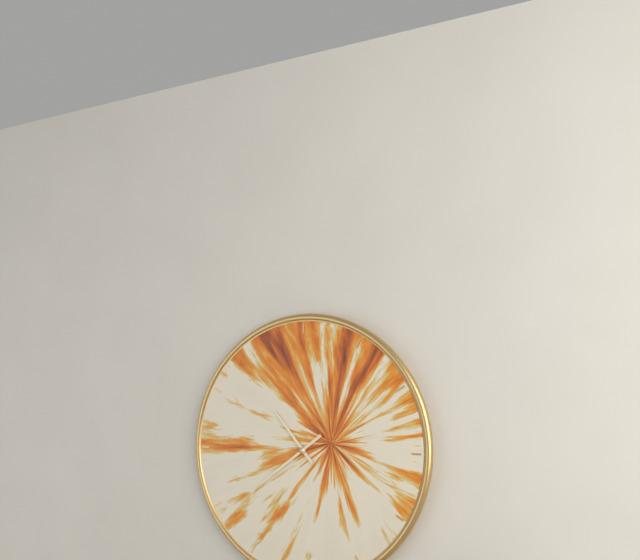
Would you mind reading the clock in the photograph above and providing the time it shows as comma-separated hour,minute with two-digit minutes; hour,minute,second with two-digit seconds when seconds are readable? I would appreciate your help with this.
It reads 10,39
